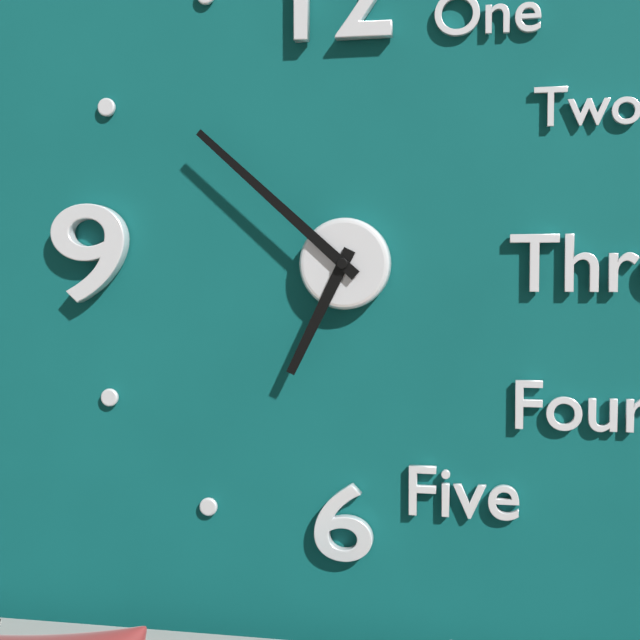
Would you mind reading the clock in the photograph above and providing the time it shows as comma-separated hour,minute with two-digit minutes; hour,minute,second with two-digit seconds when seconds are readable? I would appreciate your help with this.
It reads 6,52
